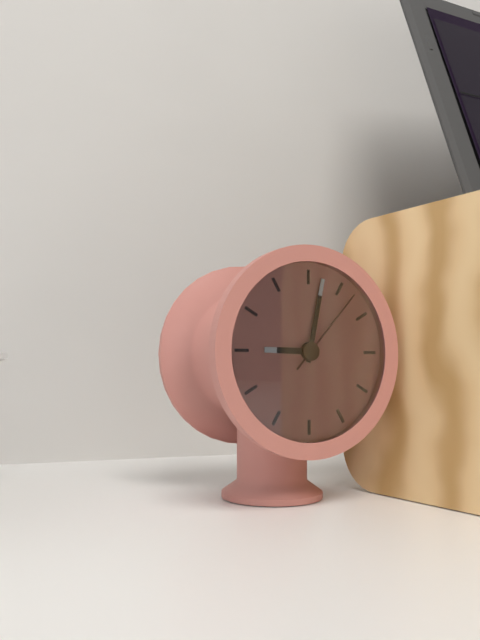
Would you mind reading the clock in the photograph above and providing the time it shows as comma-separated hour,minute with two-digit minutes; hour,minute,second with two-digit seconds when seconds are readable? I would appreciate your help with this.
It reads 9,02,07
